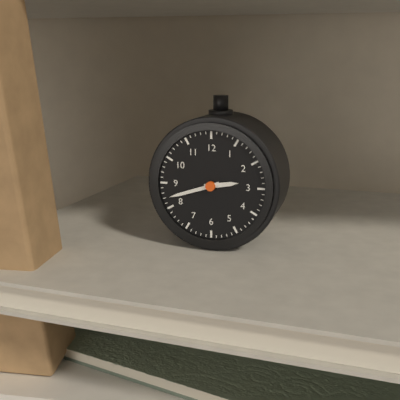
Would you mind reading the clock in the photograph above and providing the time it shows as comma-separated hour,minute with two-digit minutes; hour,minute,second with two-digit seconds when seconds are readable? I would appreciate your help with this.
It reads 2,42
